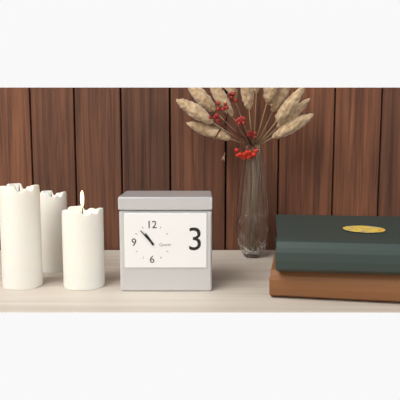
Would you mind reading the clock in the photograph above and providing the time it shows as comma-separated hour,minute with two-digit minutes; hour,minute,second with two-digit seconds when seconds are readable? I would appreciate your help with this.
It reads 10,53
